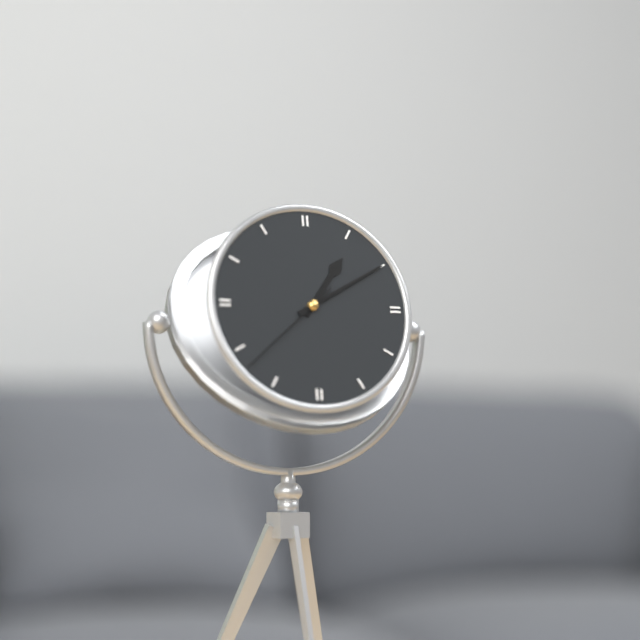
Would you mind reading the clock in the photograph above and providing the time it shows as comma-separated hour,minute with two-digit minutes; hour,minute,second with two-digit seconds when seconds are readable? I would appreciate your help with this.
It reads 1,10,38
